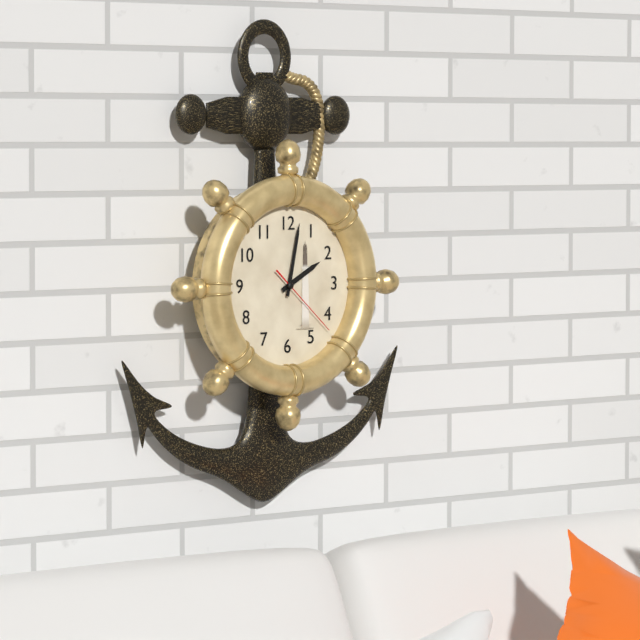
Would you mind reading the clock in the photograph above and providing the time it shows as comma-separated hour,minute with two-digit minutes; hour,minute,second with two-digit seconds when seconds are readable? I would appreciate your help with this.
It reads 2,02,22
